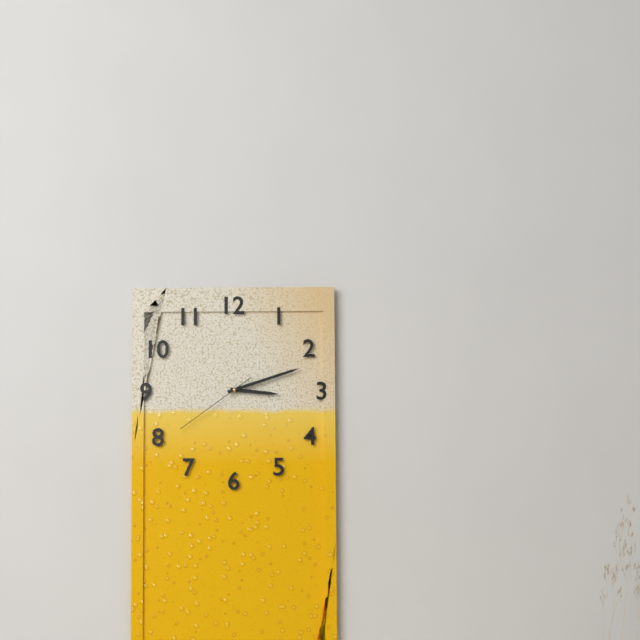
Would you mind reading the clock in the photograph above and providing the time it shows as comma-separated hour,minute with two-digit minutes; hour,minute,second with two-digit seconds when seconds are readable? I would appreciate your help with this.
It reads 3,12,39
